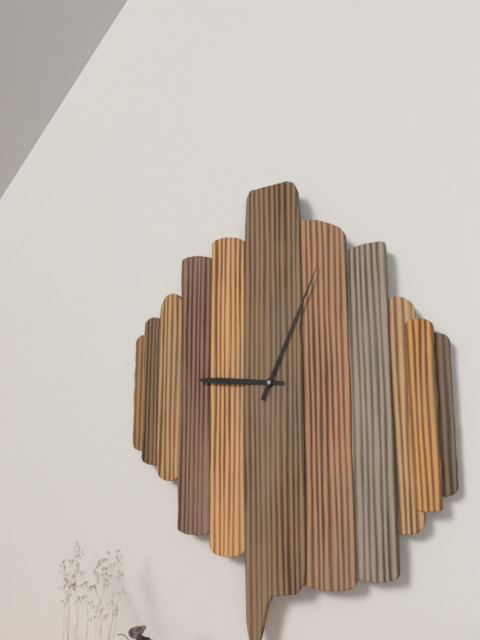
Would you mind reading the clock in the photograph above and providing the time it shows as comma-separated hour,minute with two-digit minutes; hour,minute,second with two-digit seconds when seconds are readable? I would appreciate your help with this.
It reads 9,04
